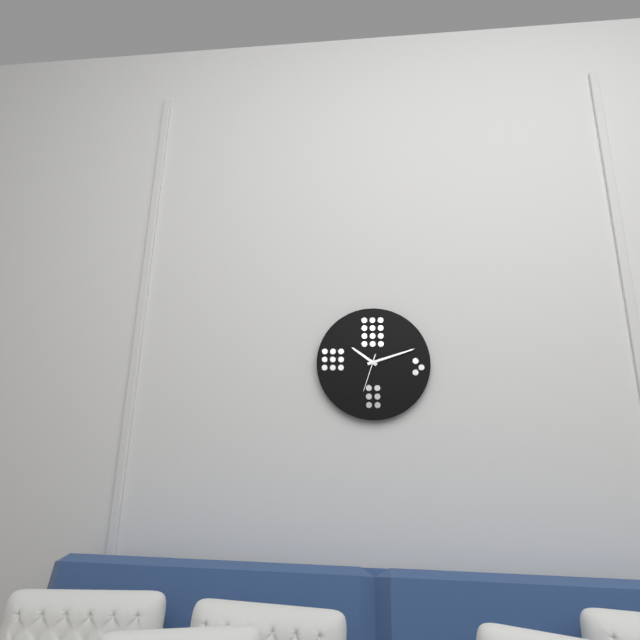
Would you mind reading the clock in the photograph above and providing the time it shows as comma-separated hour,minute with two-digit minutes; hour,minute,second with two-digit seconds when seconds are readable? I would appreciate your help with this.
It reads 10,12
